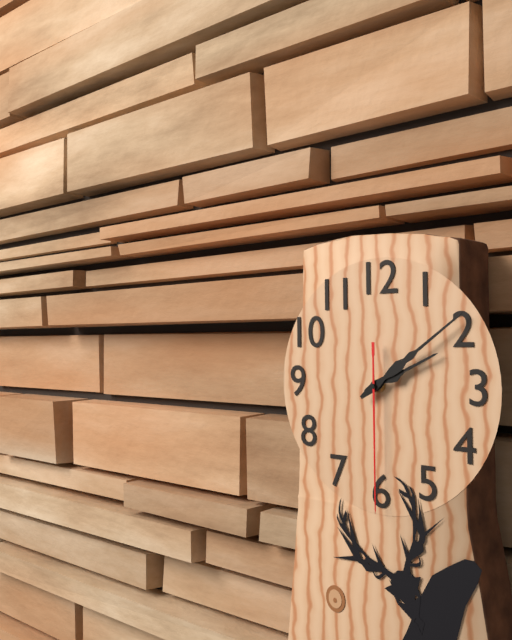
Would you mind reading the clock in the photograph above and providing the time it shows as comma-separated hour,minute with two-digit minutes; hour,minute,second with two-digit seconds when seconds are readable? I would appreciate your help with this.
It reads 2,09,30
